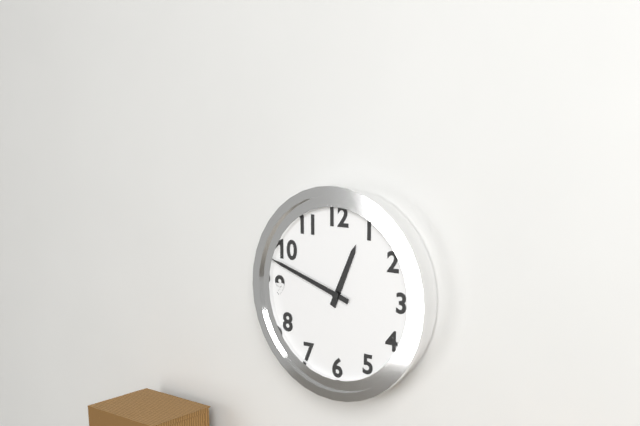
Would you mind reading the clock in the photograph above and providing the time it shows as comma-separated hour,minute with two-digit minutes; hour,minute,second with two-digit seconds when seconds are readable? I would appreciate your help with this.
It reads 12,48
